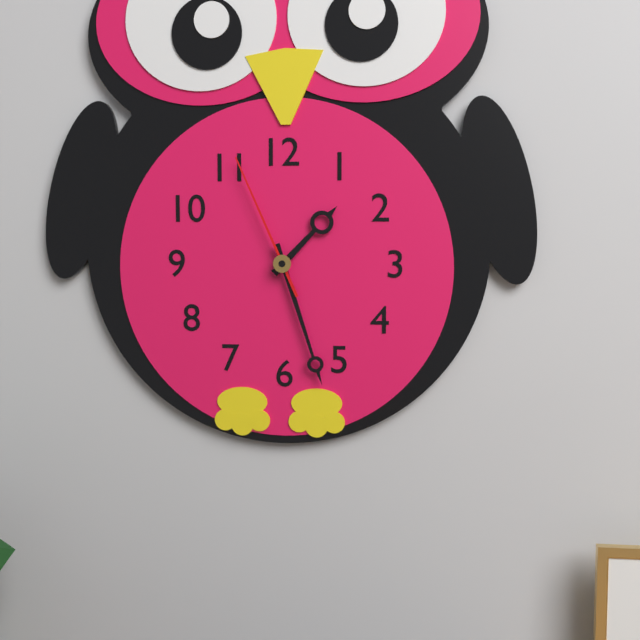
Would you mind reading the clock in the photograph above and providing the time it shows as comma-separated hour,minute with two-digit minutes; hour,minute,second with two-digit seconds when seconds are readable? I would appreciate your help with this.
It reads 1,27,56
